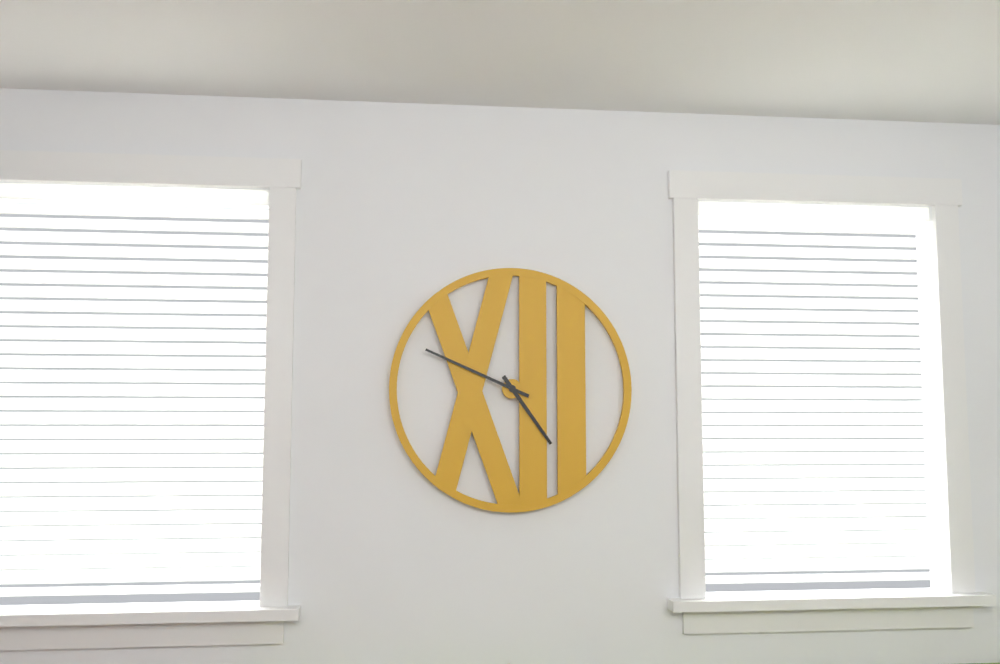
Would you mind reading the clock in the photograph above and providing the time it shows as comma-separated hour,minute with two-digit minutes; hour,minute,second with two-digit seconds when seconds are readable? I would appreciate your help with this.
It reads 4,49
